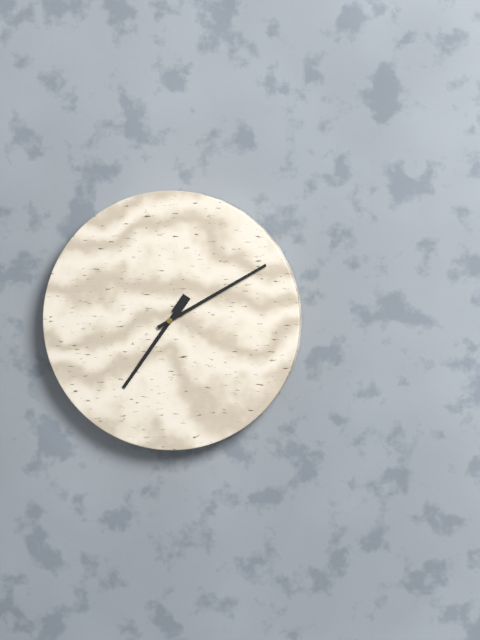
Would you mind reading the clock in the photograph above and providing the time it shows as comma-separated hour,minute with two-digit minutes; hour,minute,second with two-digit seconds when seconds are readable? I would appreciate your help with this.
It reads 7,10
